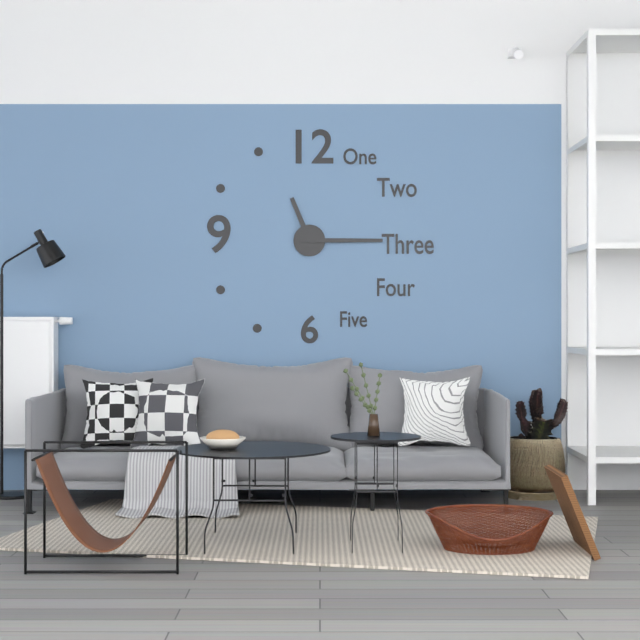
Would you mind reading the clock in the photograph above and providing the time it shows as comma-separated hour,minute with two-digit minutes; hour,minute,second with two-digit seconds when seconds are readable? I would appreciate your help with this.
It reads 11,15
